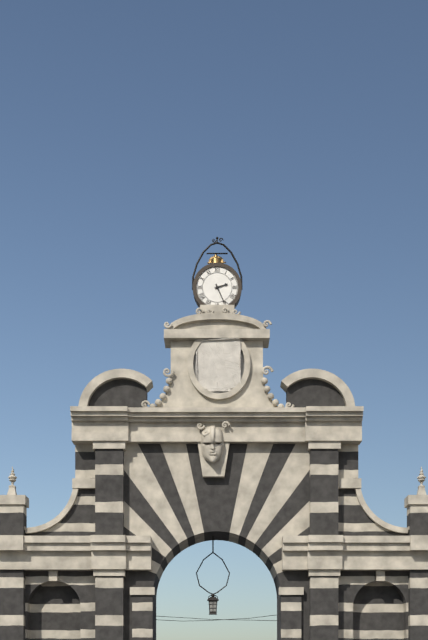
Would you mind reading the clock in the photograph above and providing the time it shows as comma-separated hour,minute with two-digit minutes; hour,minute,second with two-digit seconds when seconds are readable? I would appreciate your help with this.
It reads 2,26
